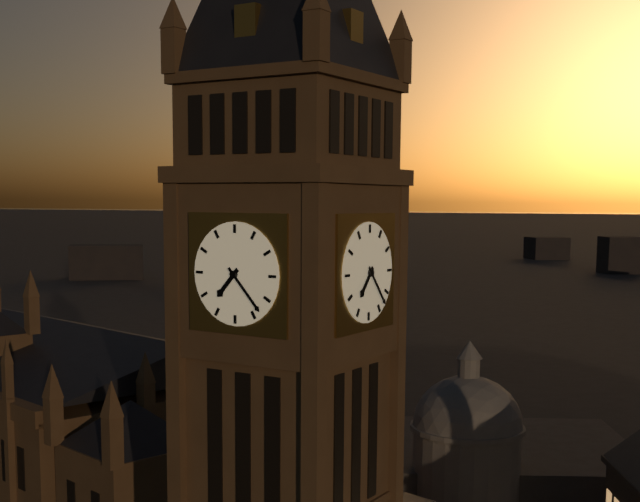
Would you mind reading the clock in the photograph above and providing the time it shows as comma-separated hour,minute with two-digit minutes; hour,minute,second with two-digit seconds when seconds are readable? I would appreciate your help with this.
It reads 7,23
